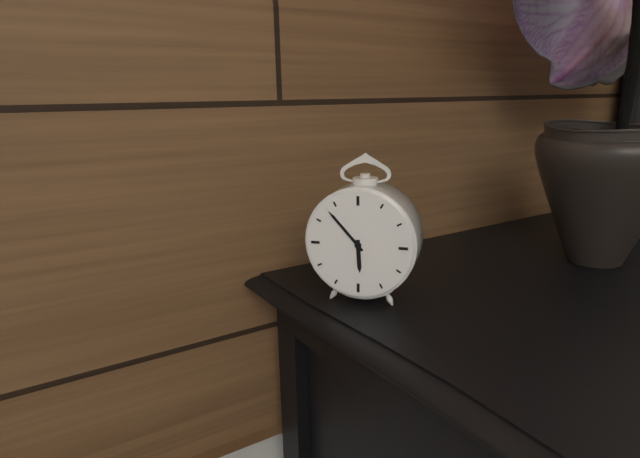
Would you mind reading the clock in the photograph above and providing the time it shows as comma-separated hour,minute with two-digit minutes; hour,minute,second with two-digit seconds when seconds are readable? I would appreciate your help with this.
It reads 5,53
